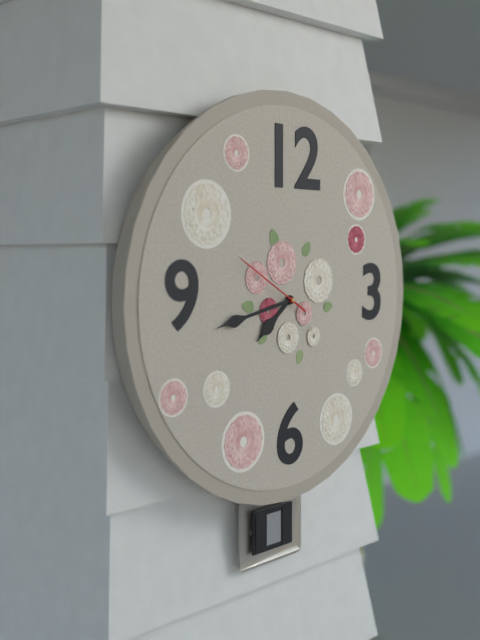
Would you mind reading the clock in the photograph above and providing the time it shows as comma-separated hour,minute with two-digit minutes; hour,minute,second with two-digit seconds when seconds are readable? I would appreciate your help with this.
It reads 7,43,50
